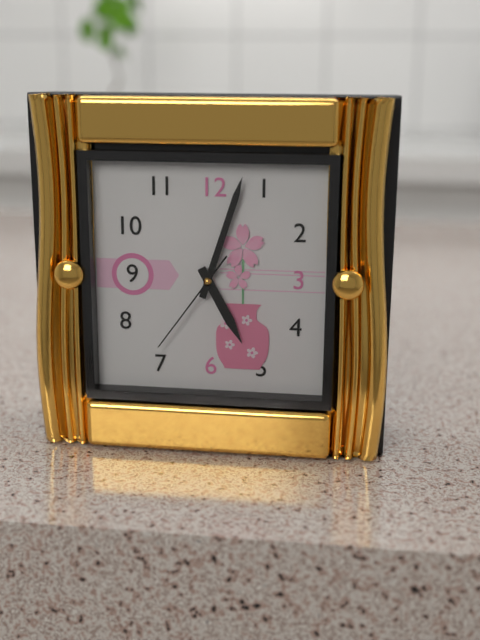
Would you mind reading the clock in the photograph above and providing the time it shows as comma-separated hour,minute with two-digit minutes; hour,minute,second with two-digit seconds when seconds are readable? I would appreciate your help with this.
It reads 5,03,36
